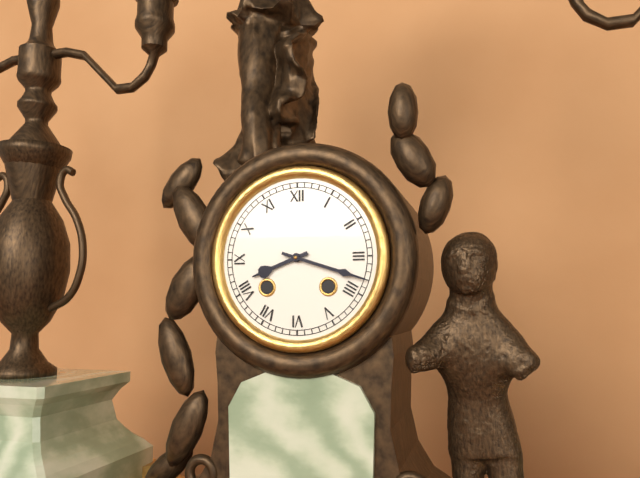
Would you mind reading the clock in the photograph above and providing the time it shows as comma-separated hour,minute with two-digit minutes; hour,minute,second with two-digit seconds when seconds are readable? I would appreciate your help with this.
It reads 8,18
